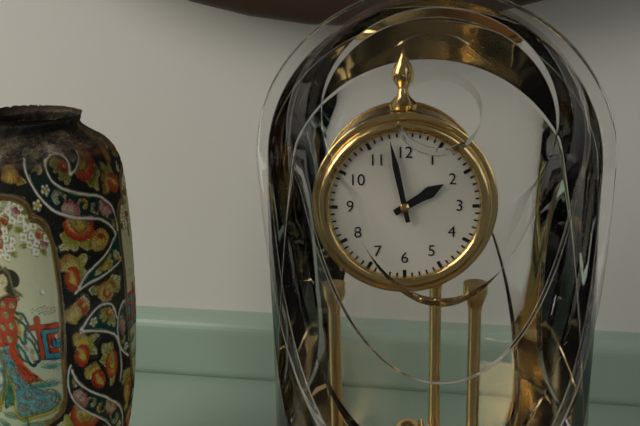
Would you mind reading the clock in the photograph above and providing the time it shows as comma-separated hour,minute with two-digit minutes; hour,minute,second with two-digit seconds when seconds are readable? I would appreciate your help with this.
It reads 1,58
